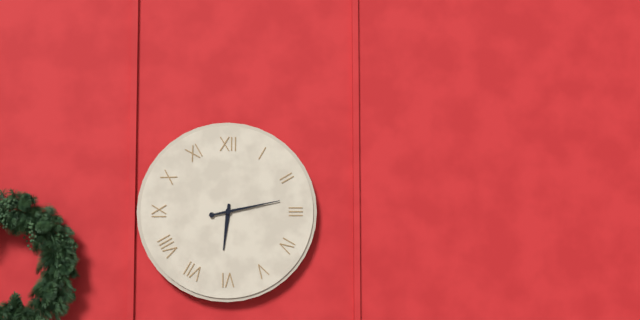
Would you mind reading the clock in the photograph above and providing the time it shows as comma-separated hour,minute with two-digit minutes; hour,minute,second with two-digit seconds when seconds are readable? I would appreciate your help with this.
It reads 6,13
